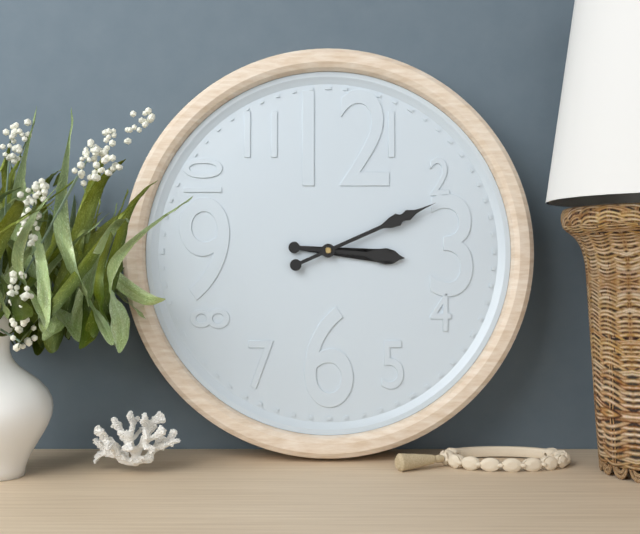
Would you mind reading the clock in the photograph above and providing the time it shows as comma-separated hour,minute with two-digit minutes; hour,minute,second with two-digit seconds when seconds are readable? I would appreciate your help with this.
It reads 3,11
